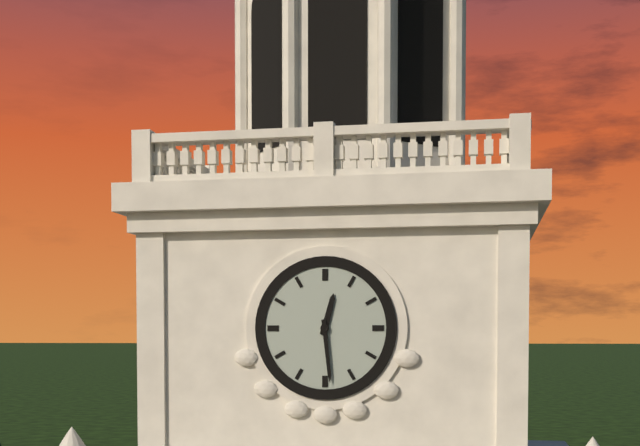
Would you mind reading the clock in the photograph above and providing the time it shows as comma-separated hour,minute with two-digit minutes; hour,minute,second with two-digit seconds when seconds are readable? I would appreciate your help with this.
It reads 12,29
